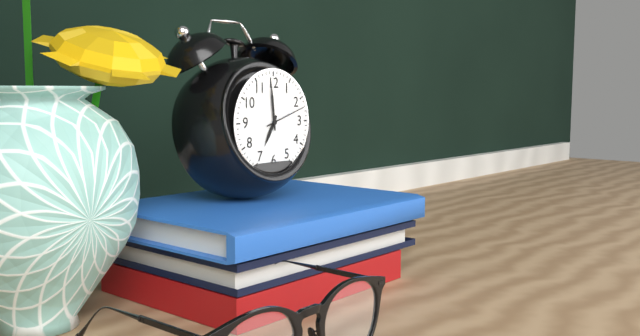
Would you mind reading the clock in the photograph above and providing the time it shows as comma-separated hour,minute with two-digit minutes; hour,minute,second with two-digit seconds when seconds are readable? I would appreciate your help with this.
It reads 6,59
